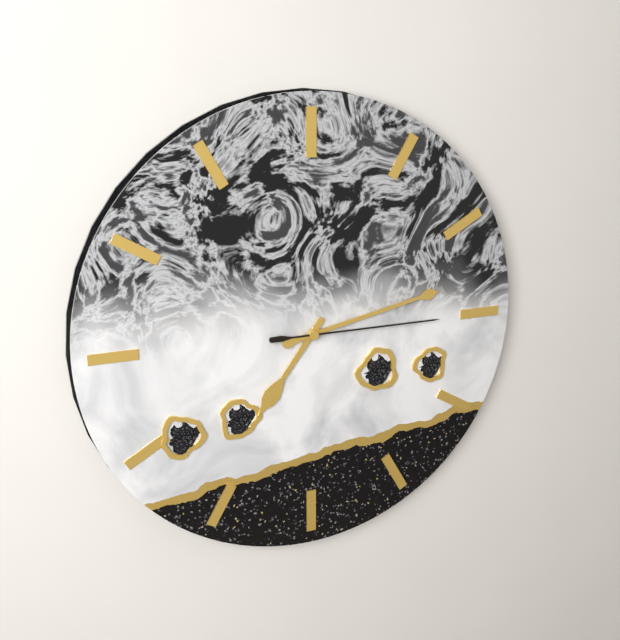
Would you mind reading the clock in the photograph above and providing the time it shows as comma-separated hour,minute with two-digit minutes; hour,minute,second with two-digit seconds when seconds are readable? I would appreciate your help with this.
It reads 7,13,15
